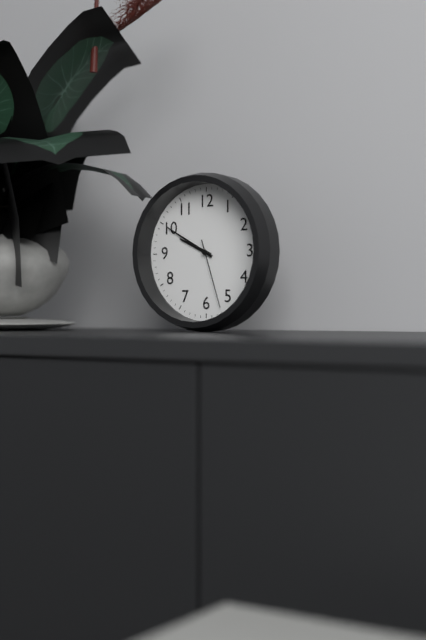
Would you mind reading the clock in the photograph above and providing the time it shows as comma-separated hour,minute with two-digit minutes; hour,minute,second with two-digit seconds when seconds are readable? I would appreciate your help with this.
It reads 9,50,27
